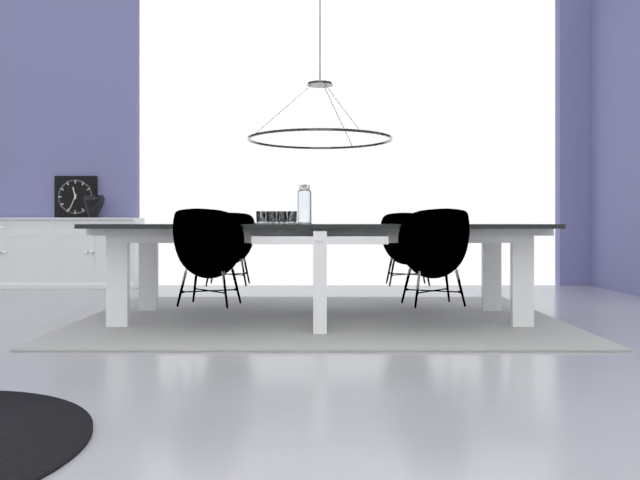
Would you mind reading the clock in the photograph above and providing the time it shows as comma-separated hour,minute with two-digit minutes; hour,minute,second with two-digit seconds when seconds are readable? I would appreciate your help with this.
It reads 11,34
